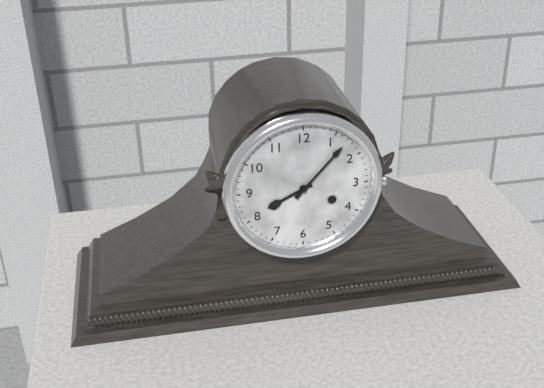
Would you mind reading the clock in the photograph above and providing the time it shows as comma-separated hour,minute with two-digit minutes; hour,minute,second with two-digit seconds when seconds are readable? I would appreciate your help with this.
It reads 8,07
